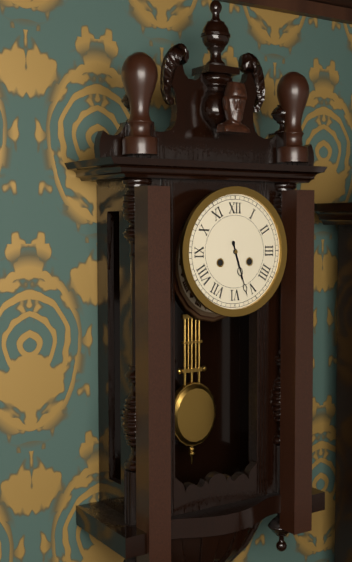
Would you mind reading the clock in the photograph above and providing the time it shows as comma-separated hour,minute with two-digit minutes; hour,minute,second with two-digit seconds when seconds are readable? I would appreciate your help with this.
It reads 5,27
